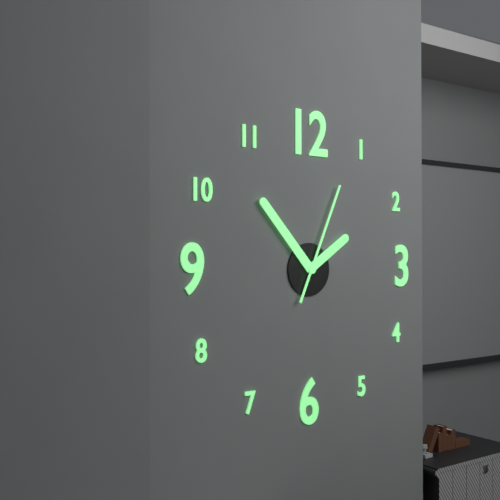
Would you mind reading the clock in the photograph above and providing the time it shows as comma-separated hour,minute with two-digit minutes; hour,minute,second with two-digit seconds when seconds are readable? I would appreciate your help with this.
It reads 1,53,04
